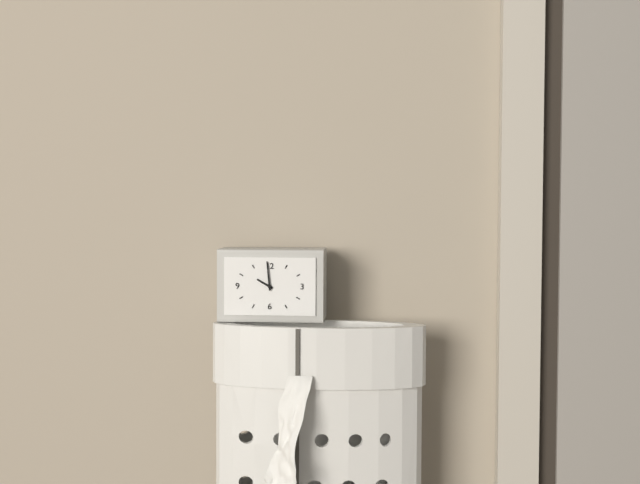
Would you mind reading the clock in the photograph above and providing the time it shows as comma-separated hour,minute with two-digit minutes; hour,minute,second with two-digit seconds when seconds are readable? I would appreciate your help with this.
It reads 9,59
